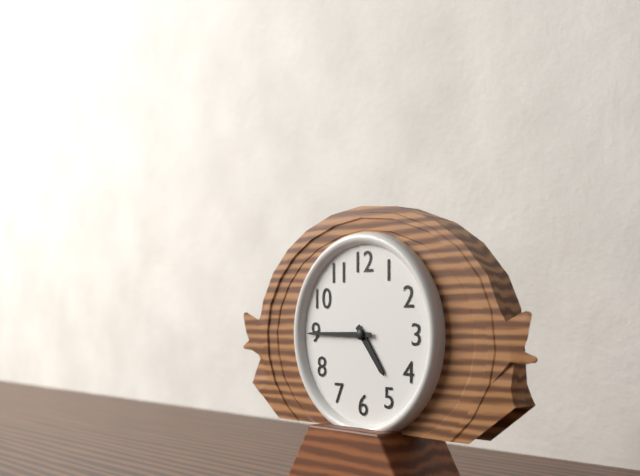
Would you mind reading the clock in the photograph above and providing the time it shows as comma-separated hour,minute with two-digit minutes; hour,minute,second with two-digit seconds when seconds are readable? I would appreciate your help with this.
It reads 4,45
